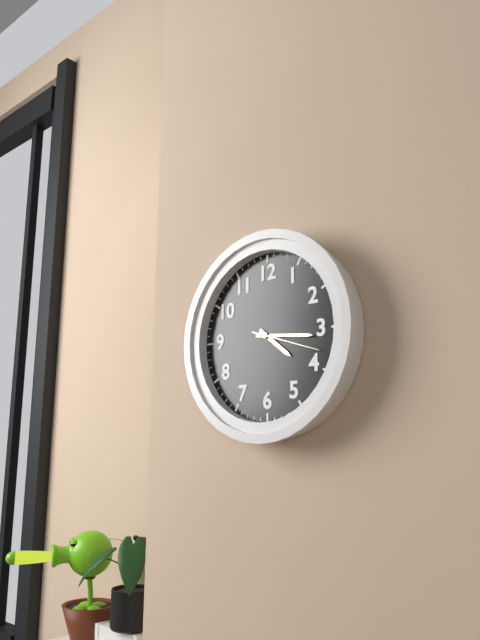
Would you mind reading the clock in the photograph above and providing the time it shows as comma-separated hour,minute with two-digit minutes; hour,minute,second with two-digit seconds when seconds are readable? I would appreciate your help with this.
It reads 4,16,18
